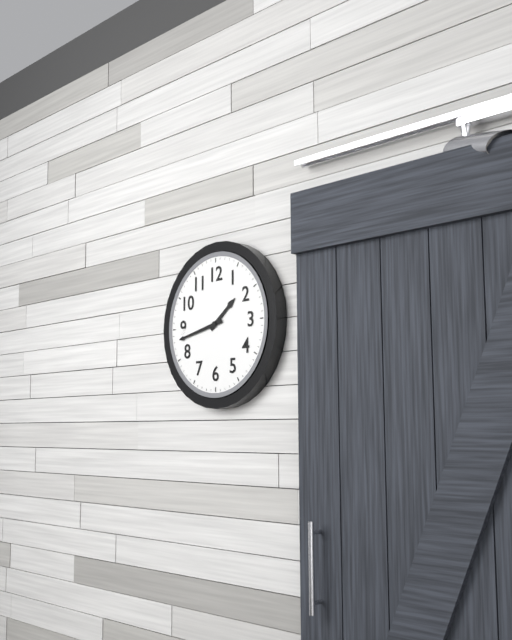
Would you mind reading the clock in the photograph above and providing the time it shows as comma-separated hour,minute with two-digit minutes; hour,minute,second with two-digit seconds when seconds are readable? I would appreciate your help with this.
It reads 1,43
